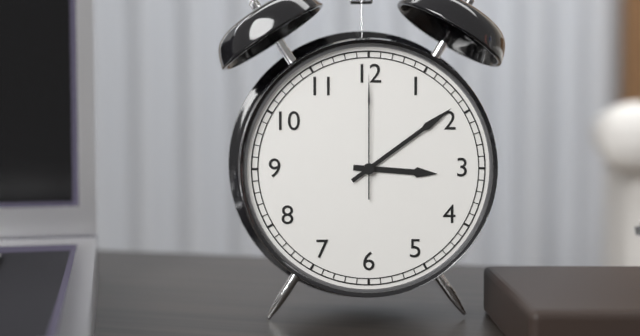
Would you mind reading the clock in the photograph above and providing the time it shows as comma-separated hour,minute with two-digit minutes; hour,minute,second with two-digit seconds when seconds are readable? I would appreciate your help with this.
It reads 3,09,00
